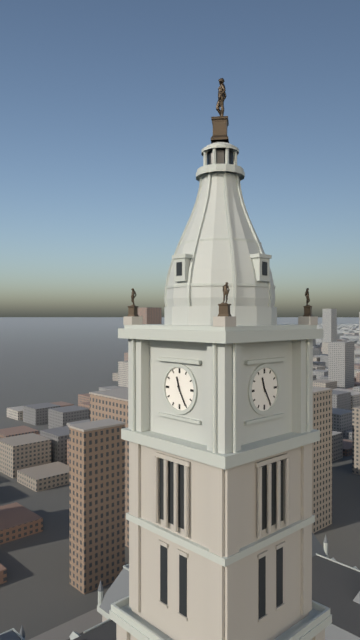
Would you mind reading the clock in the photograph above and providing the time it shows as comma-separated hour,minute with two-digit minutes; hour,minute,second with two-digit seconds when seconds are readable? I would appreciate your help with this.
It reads 11,25
